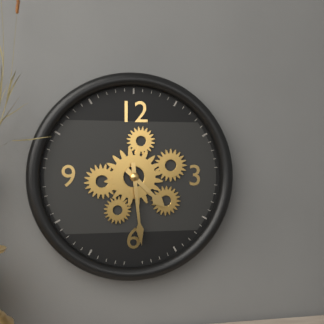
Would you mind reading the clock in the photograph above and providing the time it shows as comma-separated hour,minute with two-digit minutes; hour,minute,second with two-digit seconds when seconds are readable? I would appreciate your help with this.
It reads 4,29
